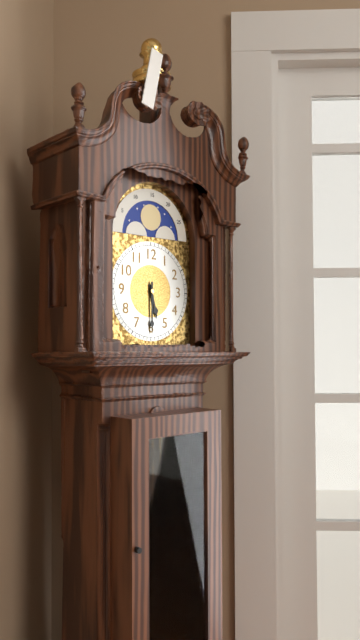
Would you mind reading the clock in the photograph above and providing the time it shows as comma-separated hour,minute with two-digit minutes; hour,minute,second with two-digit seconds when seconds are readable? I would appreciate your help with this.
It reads 5,30
